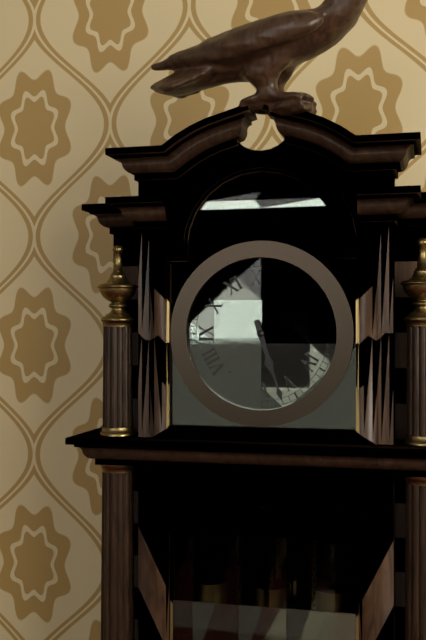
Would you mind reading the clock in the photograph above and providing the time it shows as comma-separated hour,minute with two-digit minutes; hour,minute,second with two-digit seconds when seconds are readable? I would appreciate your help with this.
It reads 5,27
